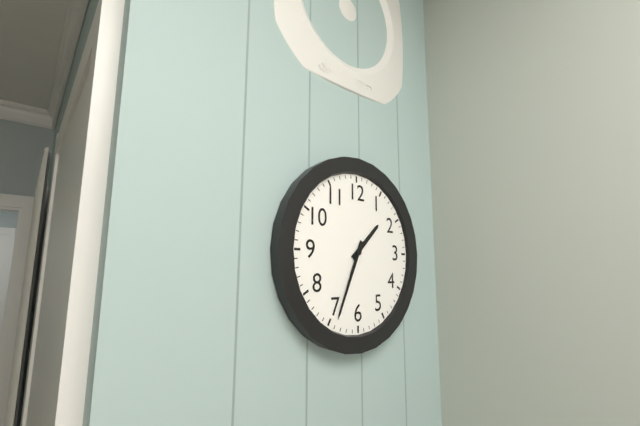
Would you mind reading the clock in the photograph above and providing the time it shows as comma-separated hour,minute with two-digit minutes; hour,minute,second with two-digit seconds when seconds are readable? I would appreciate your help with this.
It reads 1,34
